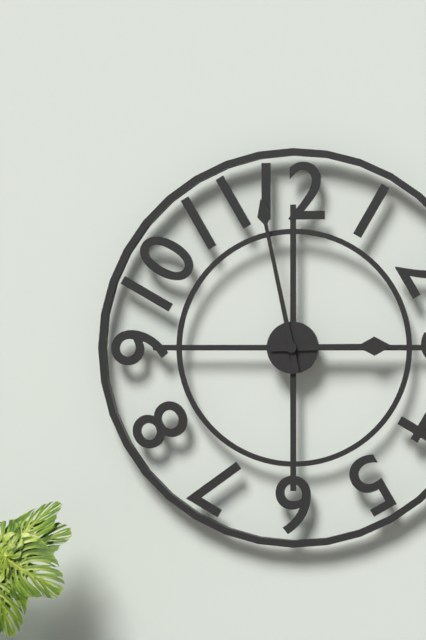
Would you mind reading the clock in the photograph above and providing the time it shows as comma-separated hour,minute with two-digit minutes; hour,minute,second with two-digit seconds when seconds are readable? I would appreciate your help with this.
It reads 2,58
